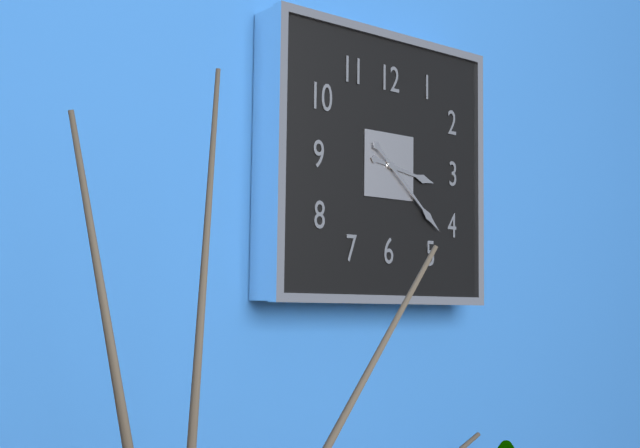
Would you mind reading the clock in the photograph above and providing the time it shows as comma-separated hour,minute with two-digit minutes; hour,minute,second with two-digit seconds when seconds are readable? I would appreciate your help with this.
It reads 3,22
